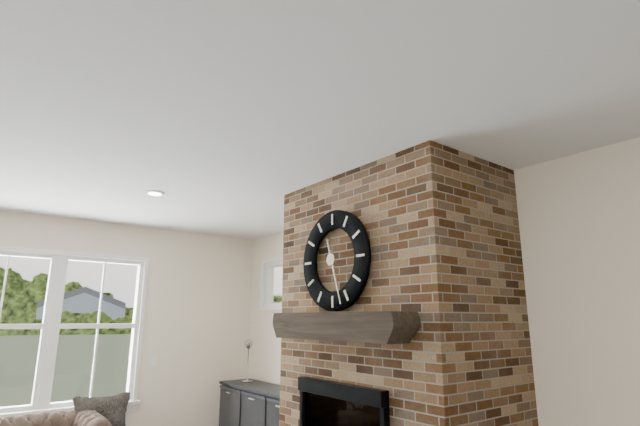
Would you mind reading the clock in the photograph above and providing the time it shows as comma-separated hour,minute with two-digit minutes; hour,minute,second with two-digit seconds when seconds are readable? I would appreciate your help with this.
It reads 5,27
